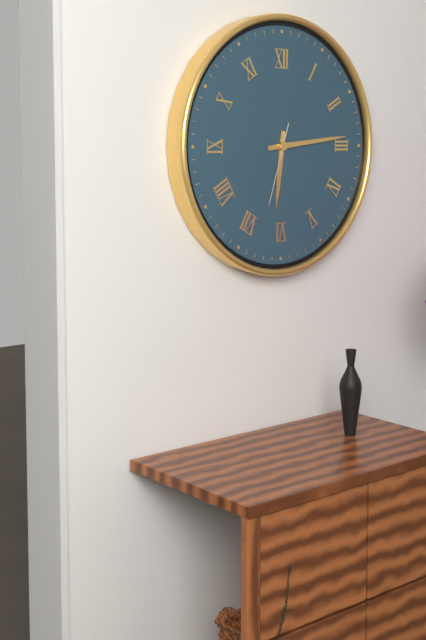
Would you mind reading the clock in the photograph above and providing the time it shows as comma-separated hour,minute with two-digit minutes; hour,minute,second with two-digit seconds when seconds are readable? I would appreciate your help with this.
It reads 6,14,33
